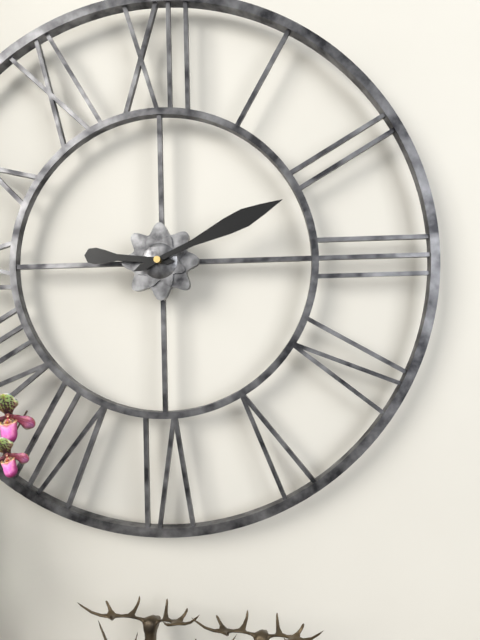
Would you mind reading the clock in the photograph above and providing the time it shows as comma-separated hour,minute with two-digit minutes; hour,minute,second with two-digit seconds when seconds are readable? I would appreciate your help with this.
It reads 9,11
